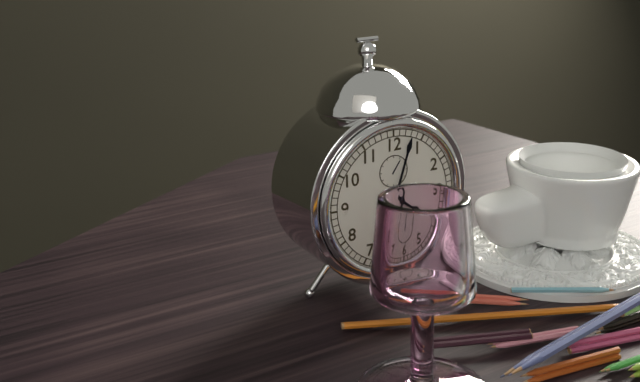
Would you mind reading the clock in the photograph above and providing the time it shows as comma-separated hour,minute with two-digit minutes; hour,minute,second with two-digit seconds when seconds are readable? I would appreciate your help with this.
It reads 4,03
